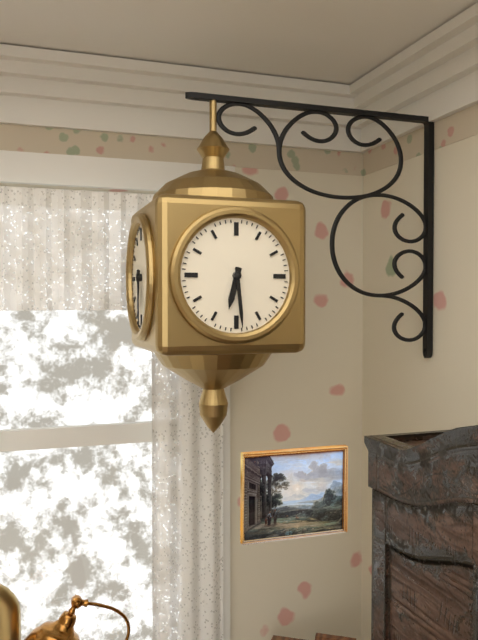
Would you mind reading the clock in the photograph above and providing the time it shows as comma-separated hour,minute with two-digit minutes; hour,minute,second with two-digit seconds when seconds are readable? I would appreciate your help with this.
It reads 6,29
